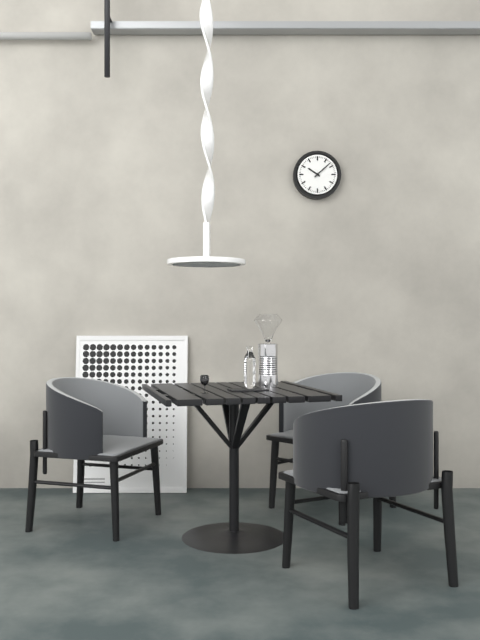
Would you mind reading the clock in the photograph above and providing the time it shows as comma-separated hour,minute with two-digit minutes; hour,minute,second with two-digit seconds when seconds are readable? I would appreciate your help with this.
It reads 10,08
